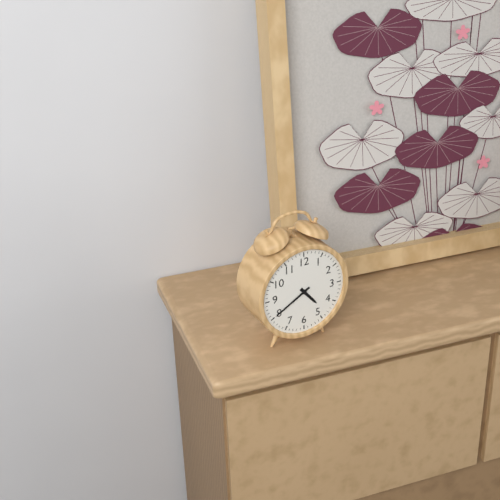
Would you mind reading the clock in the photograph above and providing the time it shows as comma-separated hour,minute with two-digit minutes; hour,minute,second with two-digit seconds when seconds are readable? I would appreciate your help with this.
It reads 4,40
